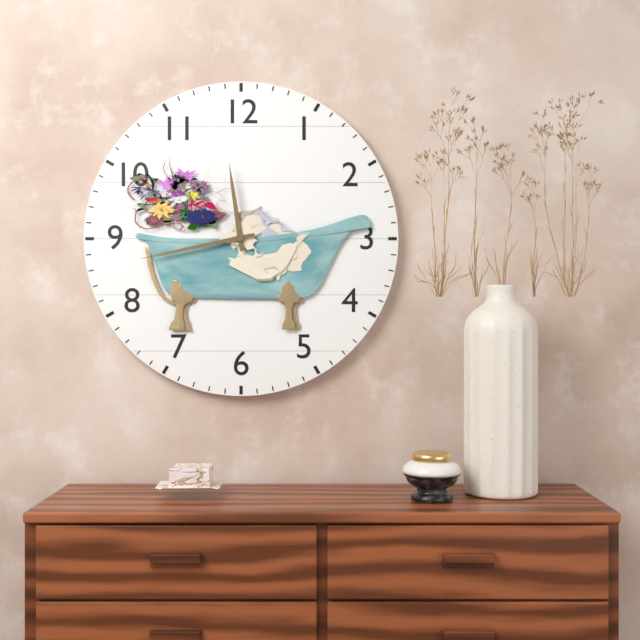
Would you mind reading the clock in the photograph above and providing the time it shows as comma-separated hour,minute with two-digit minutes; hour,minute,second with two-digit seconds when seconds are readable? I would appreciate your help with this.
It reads 11,43
